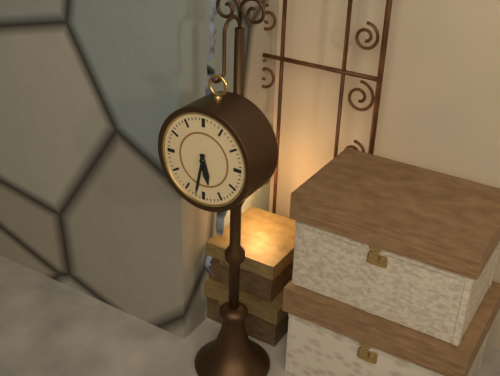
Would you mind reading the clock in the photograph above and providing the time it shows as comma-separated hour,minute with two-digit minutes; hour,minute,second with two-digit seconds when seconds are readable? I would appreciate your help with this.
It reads 5,32
